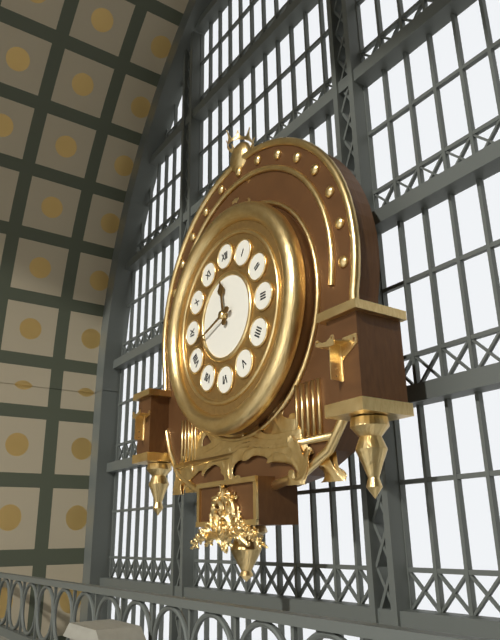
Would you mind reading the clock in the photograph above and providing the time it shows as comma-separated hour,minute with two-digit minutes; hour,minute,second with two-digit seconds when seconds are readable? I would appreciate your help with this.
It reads 11,42
